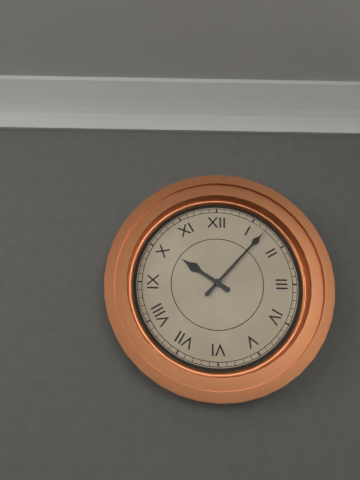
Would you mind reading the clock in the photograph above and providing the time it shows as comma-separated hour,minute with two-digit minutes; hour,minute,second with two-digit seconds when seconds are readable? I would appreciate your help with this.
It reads 10,07
